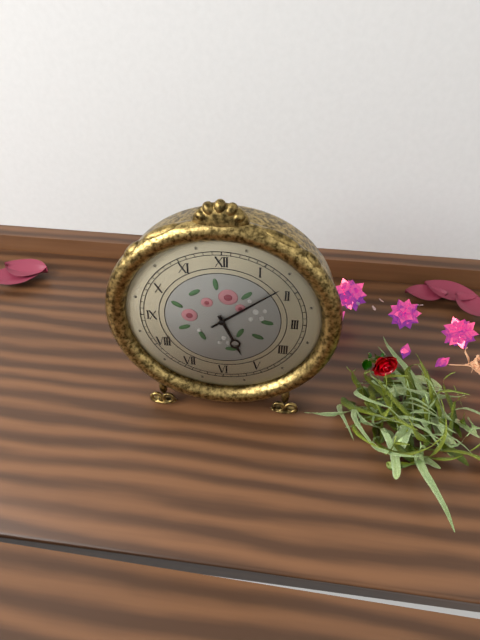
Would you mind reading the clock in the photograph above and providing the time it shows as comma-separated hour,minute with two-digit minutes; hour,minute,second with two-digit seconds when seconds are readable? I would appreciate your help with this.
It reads 5,09
